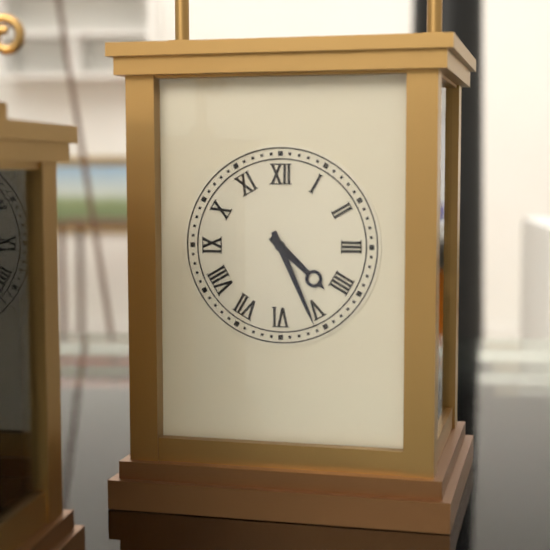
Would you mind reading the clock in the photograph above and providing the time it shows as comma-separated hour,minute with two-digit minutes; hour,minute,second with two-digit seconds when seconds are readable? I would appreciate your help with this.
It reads 4,26
